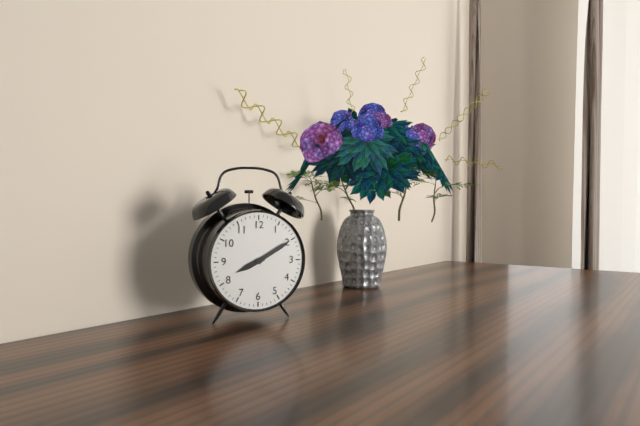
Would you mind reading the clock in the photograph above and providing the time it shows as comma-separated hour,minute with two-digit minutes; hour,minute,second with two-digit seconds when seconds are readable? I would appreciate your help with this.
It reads 8,10
